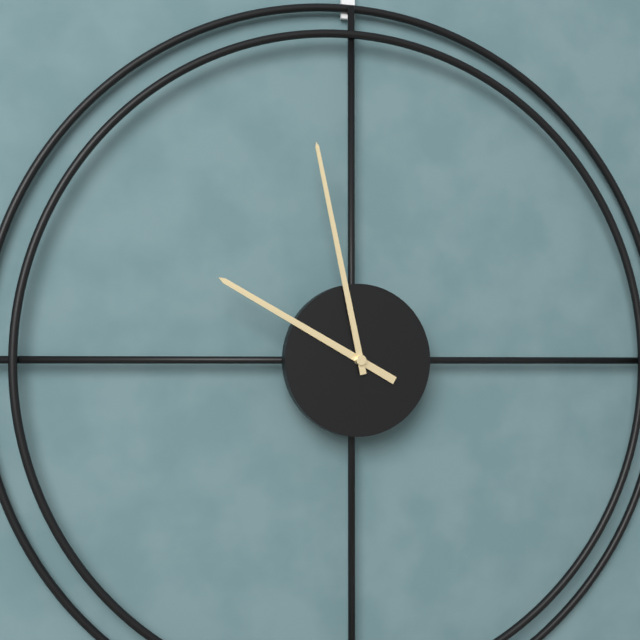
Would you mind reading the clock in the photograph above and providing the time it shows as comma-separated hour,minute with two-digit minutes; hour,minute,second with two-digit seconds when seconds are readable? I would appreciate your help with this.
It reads 9,58
